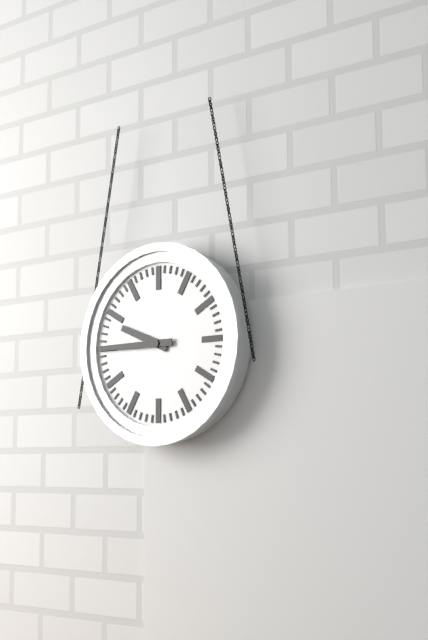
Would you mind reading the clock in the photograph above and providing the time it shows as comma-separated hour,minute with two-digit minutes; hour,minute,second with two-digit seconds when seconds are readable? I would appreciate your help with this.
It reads 9,45
